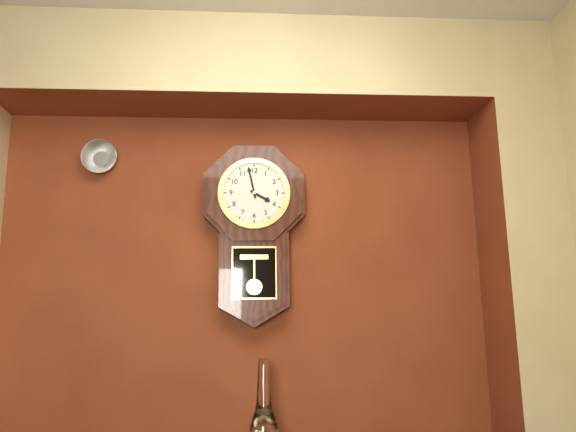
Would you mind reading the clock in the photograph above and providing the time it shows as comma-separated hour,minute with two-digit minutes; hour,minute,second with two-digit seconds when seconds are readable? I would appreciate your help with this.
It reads 3,58
